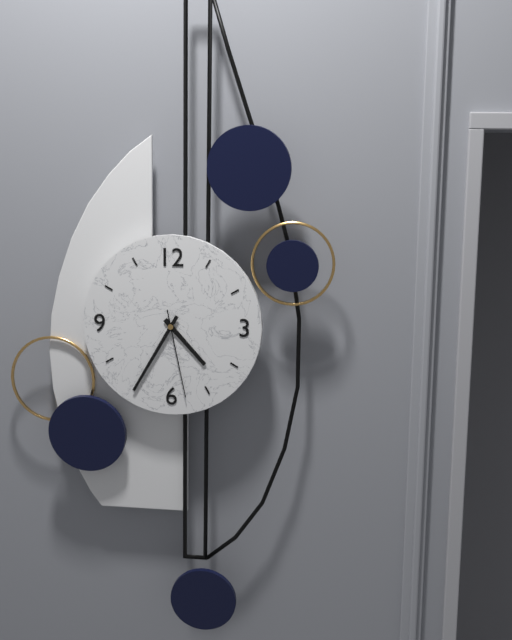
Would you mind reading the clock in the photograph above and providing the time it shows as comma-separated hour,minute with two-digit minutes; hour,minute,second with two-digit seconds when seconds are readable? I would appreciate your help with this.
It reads 4,35,28
